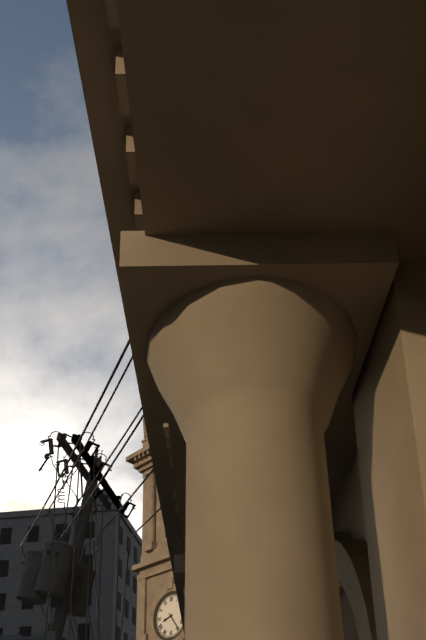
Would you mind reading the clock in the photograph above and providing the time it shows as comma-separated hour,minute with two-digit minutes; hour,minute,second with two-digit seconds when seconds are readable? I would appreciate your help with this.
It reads 8,24
